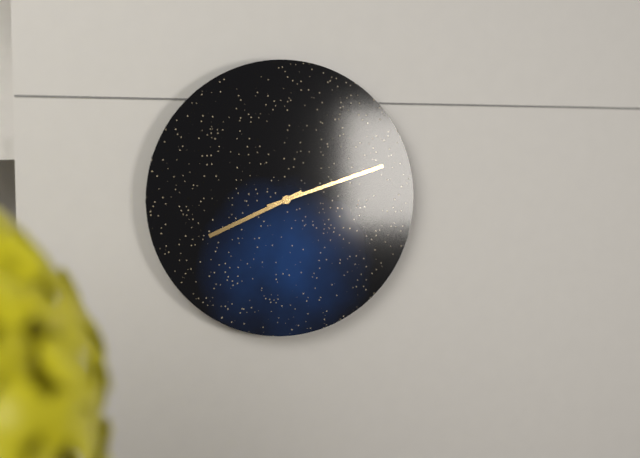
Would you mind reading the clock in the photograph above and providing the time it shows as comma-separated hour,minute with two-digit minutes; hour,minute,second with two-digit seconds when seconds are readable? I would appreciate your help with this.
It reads 8,12
